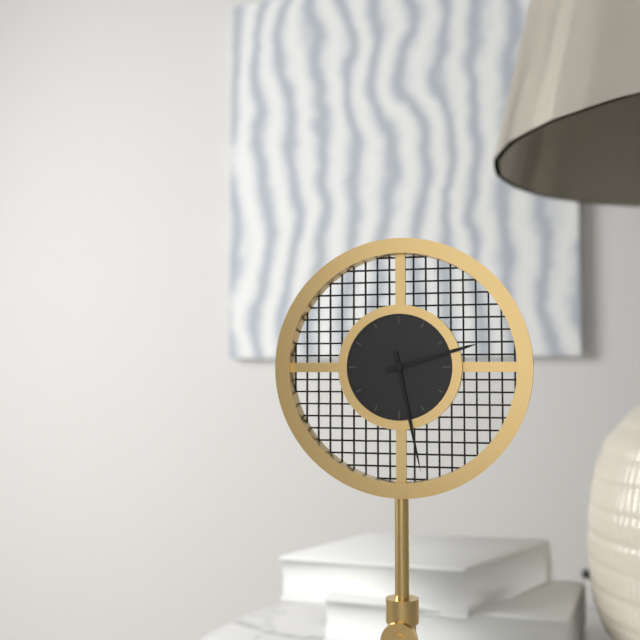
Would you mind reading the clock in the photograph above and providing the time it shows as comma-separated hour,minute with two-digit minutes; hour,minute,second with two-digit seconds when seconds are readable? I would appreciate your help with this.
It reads 2,28
